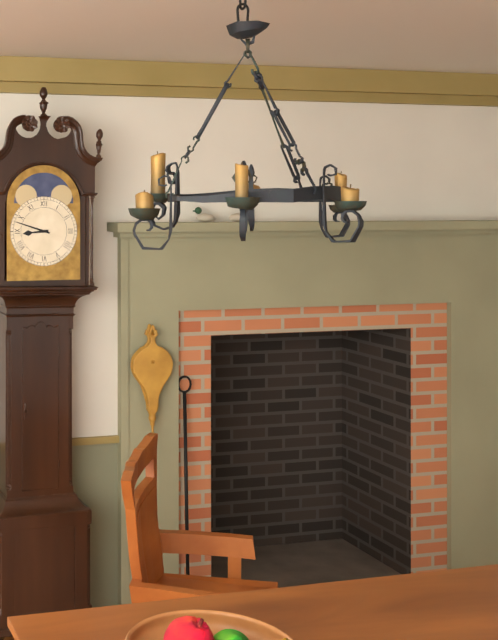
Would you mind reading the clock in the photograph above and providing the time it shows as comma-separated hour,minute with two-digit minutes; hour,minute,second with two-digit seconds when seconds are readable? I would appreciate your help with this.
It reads 8,48
